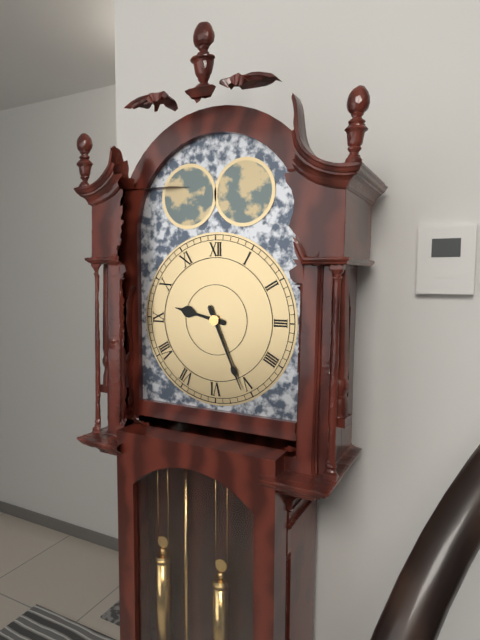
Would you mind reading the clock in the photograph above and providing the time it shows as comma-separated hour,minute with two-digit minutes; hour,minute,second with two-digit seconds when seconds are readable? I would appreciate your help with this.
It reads 9,26
